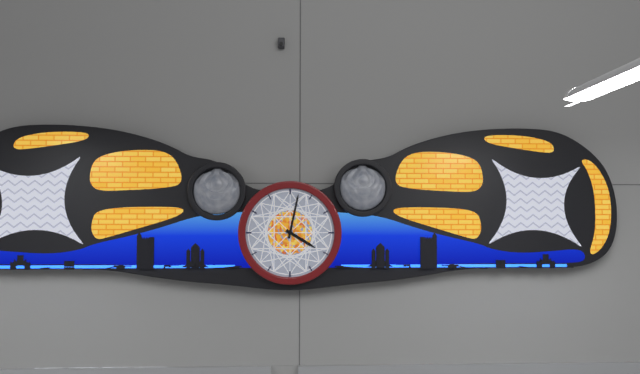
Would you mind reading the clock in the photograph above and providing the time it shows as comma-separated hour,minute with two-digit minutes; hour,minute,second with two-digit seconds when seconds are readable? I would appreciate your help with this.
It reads 4,02
